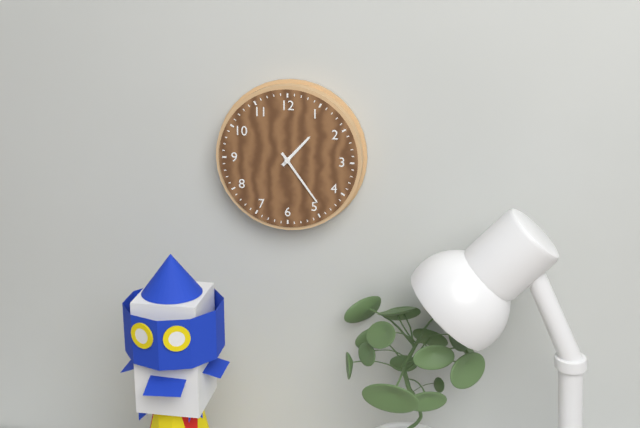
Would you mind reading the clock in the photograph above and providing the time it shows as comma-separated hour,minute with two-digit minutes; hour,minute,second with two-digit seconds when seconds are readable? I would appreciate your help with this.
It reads 1,24
